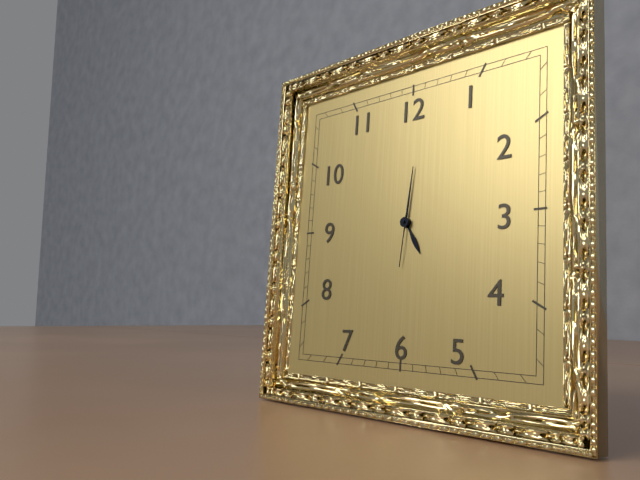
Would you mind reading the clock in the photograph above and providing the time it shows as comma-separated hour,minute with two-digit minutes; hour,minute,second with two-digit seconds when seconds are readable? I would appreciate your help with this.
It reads 5,01,31
